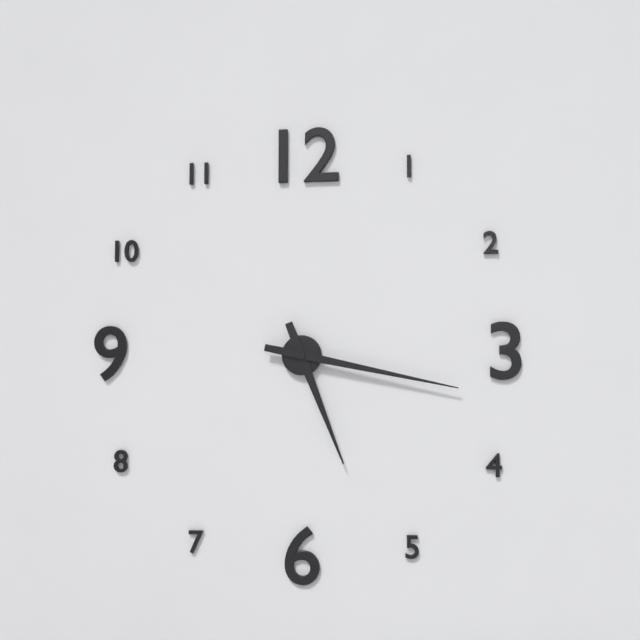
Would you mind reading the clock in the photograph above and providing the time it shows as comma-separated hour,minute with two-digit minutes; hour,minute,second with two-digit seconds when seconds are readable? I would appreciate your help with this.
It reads 5,17
